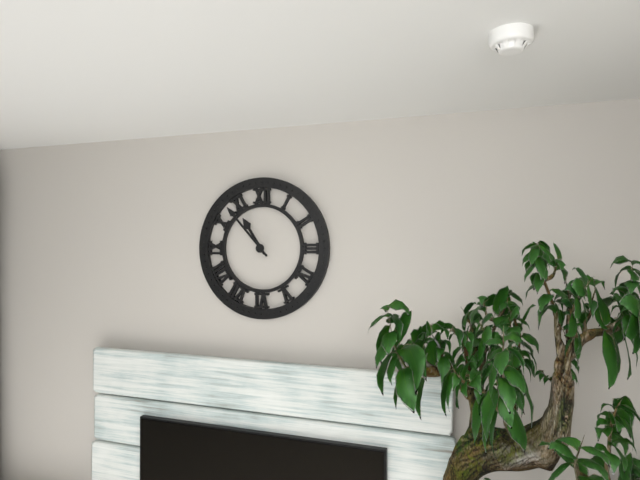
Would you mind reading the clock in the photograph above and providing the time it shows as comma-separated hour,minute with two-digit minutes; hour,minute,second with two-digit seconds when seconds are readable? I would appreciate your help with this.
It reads 10,53
